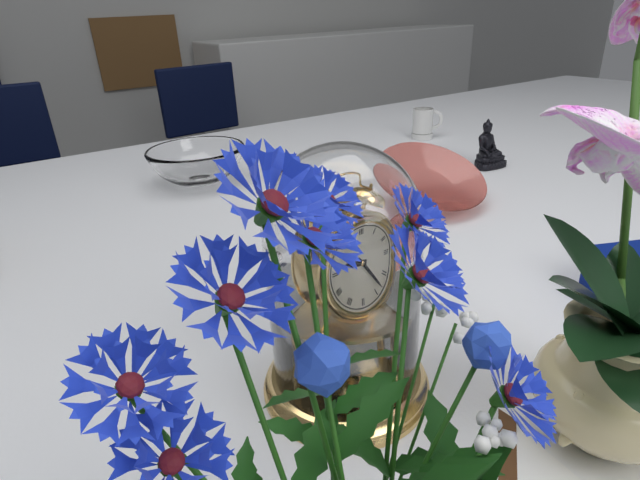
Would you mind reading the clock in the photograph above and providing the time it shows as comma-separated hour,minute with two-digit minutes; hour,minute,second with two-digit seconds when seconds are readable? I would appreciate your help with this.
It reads 9,23
